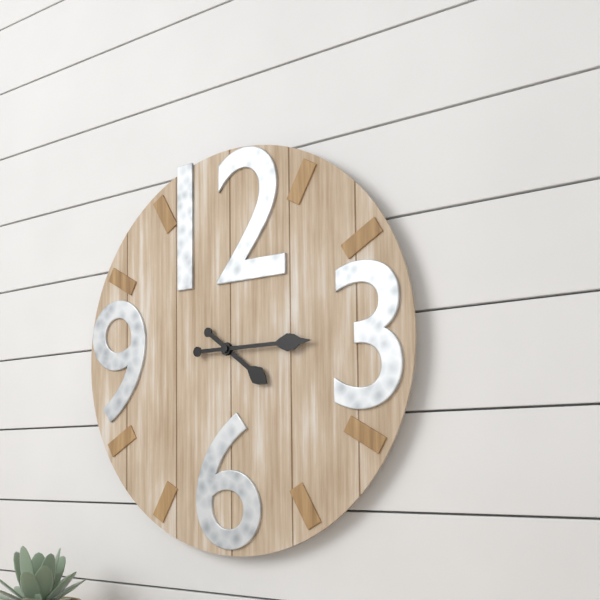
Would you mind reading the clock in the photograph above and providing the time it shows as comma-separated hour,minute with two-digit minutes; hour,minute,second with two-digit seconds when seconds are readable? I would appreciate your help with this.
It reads 4,15
